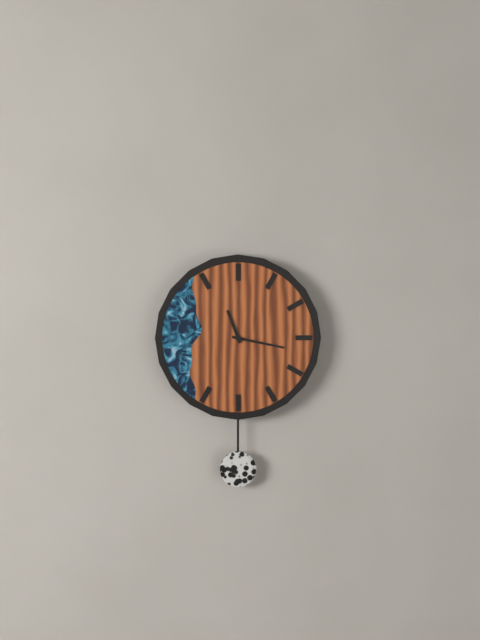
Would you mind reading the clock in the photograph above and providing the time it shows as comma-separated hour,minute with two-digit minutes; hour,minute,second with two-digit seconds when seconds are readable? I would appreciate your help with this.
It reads 11,17
